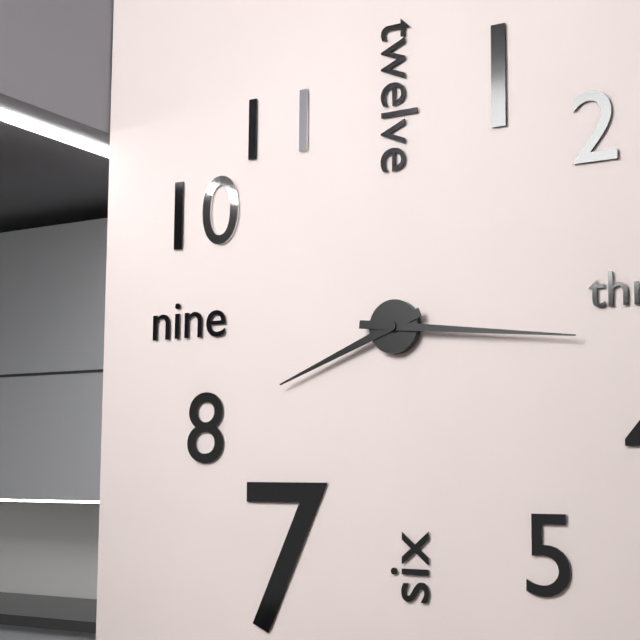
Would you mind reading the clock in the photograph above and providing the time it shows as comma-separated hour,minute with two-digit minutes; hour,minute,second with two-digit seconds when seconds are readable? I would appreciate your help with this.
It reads 8,16
